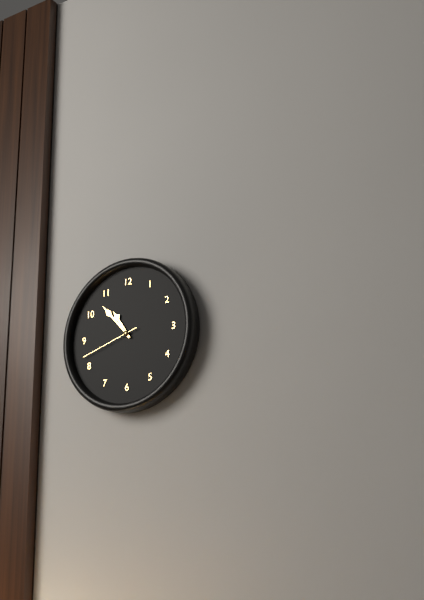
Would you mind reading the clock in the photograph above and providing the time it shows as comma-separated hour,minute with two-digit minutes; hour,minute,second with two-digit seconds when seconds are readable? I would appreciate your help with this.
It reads 10,53,42
